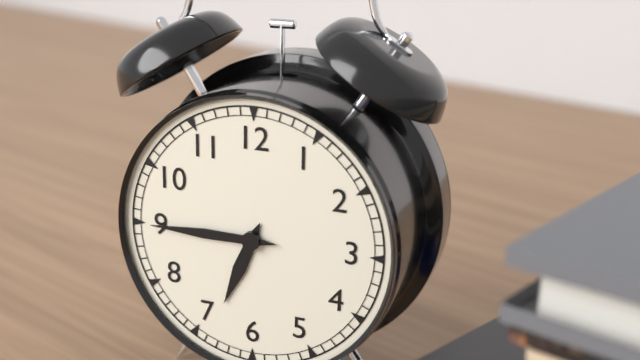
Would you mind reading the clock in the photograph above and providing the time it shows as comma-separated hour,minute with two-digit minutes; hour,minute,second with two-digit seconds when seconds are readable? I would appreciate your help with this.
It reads 6,45
